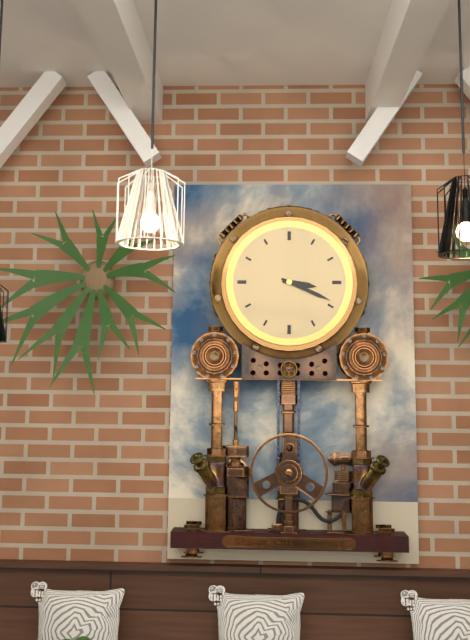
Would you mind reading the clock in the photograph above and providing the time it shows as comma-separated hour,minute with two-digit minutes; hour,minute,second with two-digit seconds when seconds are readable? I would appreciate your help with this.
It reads 3,19
